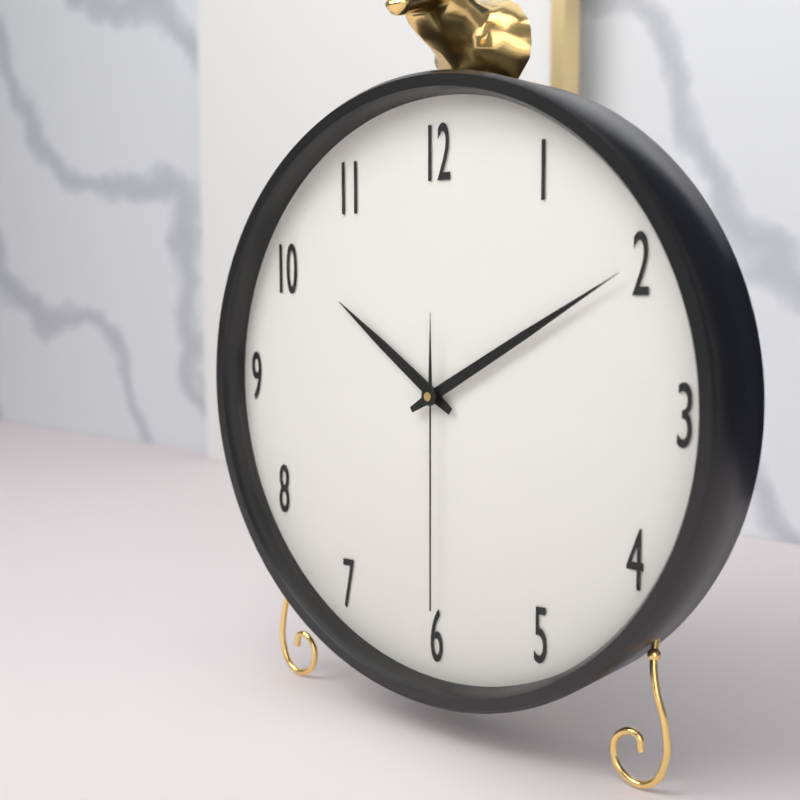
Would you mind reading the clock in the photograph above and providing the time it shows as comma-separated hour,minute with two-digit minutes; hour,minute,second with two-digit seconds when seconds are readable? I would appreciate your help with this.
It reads 10,10,30
